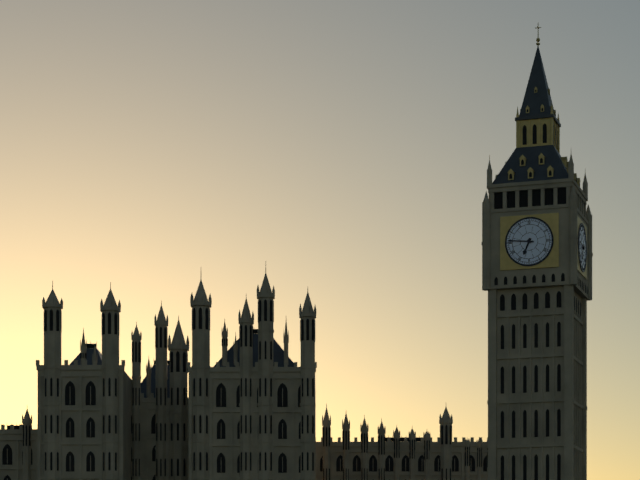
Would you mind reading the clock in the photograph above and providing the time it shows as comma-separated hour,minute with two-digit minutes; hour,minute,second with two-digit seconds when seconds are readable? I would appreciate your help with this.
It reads 6,46
